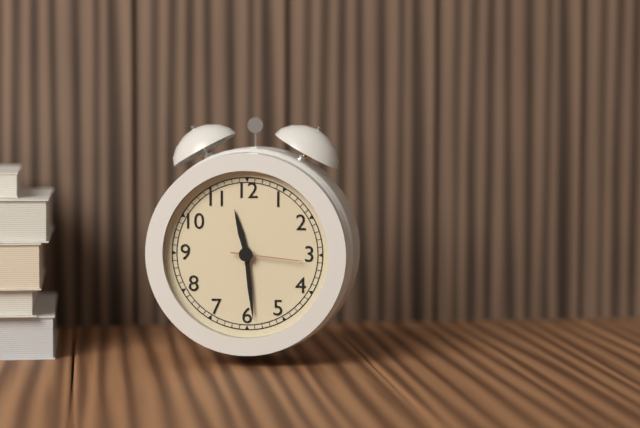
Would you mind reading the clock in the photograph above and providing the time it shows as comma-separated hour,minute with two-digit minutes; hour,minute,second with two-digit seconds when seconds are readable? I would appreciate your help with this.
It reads 11,29,16
